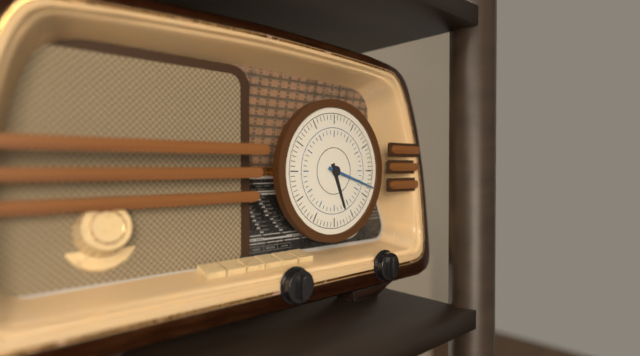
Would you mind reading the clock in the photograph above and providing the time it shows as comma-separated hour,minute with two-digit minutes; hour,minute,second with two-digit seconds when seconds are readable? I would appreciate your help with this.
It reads 5,18
